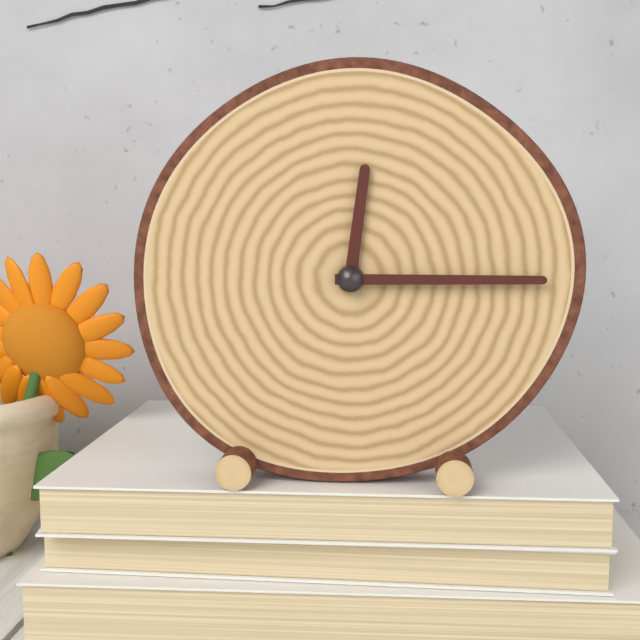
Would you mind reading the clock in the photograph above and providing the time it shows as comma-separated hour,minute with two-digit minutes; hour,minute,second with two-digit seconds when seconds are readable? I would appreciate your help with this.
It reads 12,15
